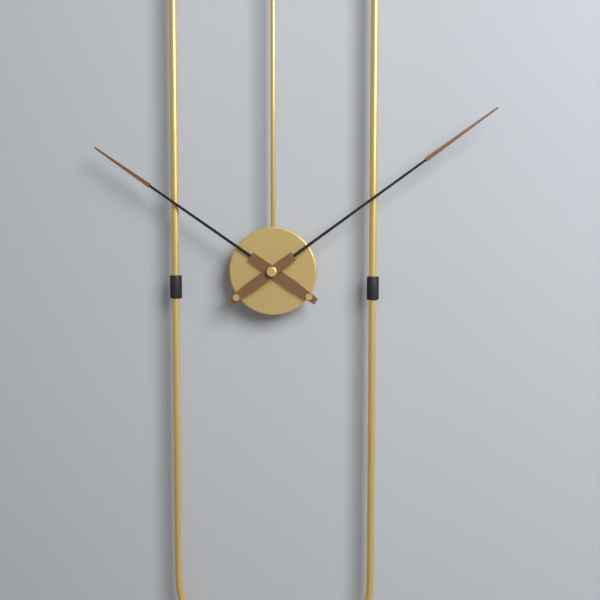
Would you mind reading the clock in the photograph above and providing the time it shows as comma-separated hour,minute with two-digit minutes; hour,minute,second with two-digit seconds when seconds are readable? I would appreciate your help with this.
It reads 10,09
